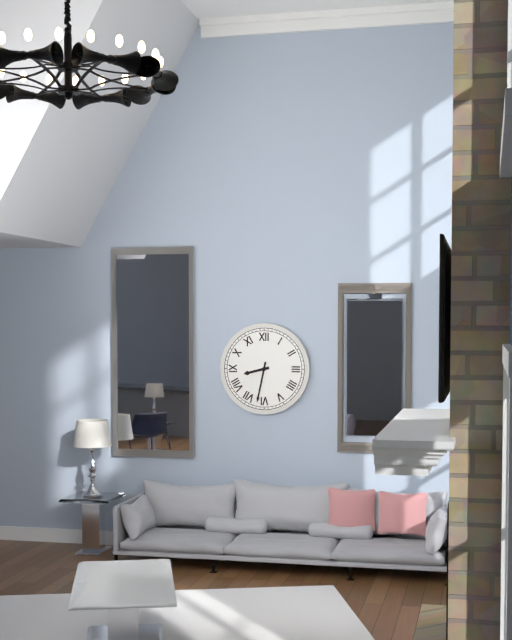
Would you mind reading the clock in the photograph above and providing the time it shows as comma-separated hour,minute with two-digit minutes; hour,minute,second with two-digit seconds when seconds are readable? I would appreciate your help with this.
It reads 8,32
